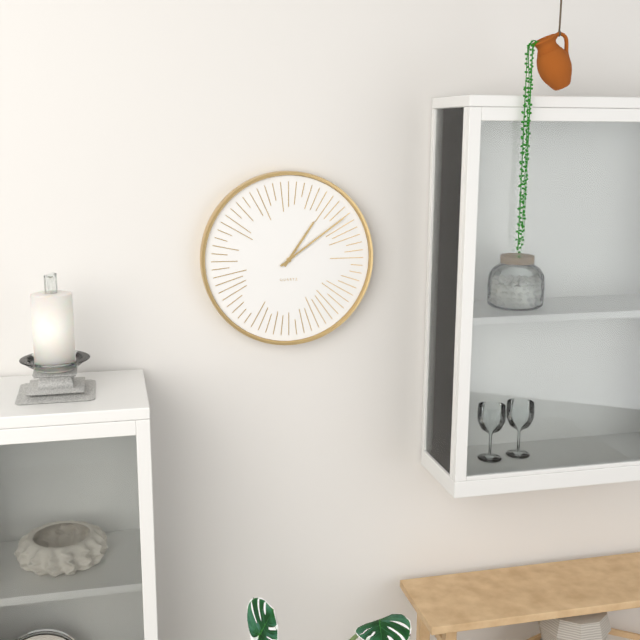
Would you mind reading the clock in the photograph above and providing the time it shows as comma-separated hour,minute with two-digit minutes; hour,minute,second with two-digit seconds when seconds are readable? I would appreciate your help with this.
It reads 1,09
